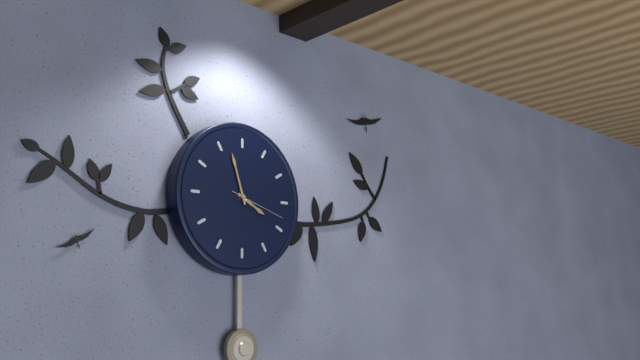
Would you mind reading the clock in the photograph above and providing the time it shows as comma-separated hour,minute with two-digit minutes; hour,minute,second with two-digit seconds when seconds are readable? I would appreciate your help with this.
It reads 3,57,18
